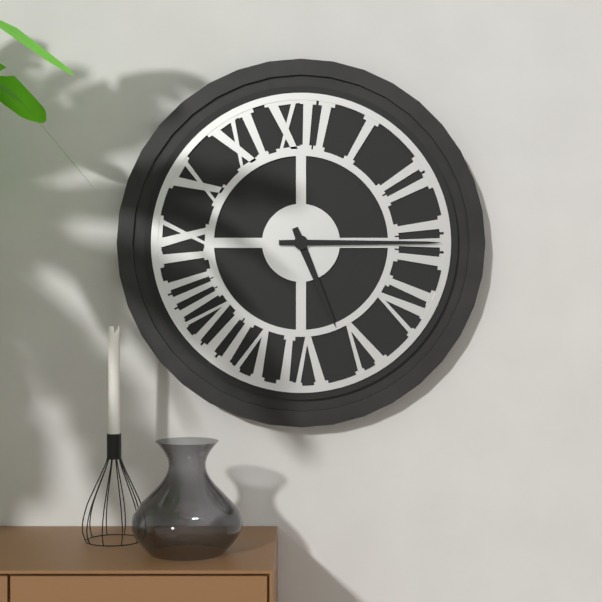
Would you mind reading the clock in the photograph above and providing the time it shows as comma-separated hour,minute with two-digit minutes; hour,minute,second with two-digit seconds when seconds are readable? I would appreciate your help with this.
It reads 5,15
